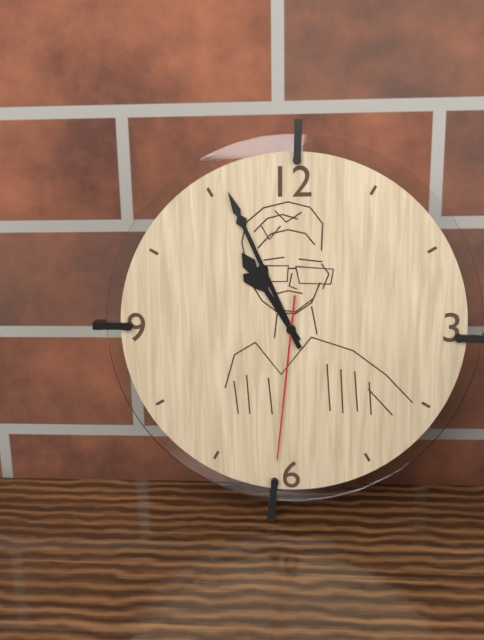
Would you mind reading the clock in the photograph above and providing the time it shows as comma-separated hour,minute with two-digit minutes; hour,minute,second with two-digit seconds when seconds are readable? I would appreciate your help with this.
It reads 10,56,31
